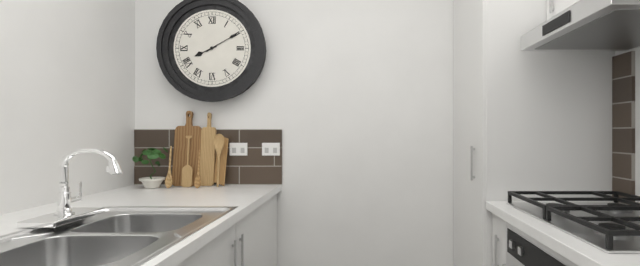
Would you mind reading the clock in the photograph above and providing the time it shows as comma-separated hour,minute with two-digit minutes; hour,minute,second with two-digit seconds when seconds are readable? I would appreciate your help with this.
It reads 8,10
